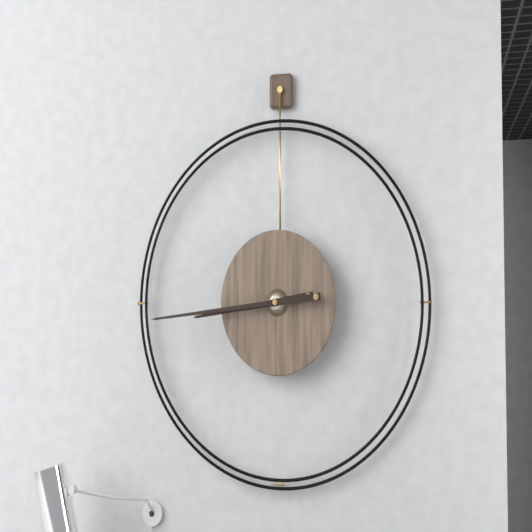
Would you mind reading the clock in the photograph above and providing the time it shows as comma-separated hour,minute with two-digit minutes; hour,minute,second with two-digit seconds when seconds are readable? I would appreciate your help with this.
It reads 8,44
